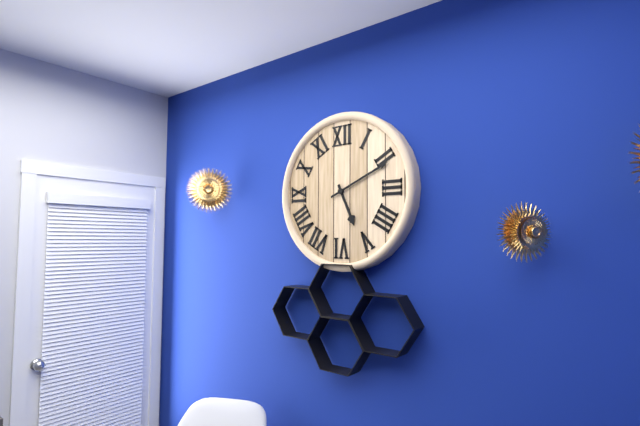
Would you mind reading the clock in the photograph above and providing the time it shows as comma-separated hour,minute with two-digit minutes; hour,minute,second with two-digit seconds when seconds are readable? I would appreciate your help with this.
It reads 5,11
